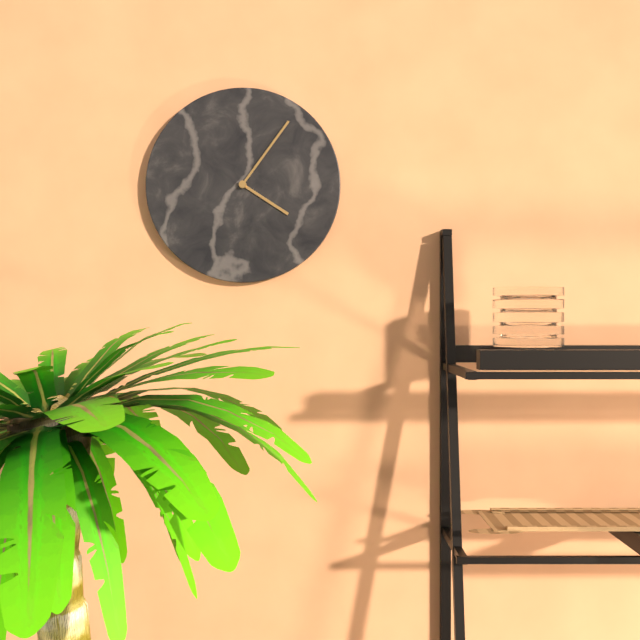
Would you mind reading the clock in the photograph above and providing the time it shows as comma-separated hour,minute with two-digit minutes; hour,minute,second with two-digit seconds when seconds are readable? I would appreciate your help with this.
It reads 4,06
